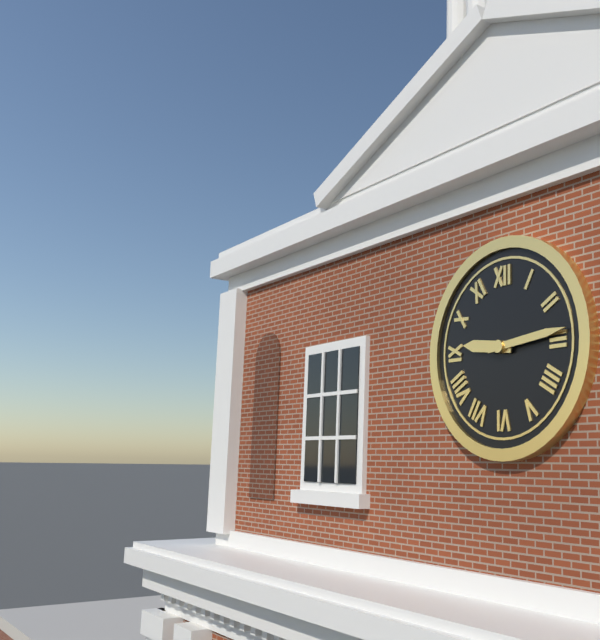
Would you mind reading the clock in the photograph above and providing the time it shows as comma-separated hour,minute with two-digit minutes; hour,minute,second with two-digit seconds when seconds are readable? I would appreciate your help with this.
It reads 9,14
